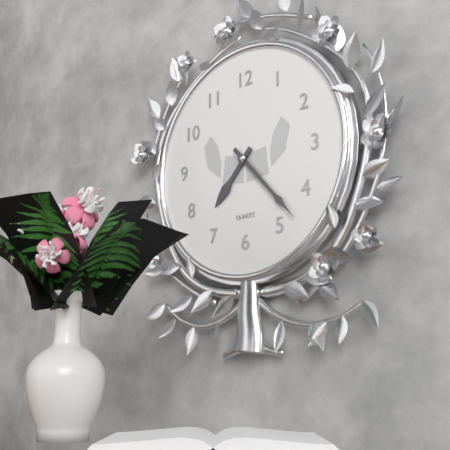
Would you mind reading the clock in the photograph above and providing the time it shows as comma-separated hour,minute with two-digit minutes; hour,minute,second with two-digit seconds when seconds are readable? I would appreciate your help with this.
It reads 7,23
